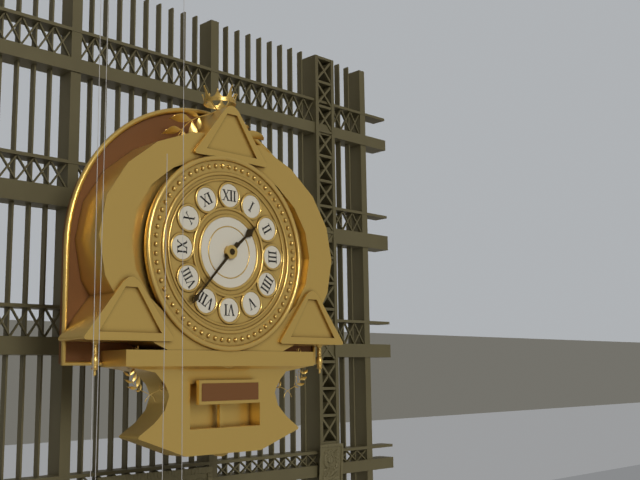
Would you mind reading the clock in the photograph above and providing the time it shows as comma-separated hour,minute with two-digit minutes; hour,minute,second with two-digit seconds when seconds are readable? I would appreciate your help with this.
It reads 1,37
